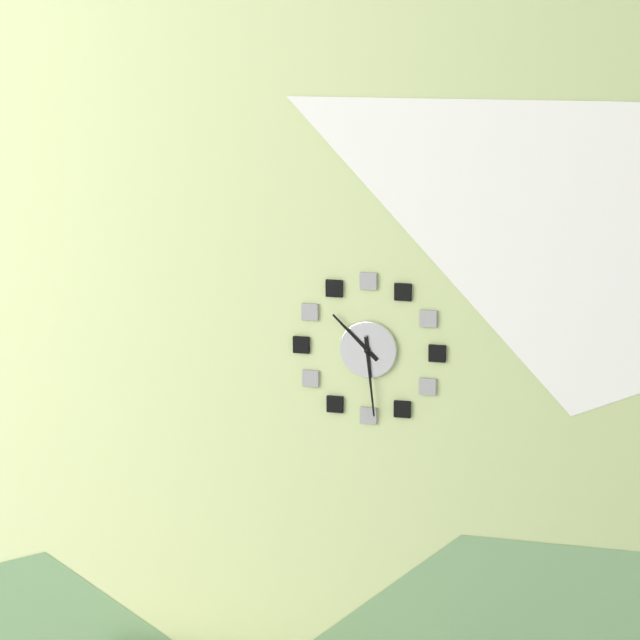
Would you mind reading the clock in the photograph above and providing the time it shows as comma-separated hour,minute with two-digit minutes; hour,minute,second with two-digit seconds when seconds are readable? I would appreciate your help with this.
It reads 10,29
